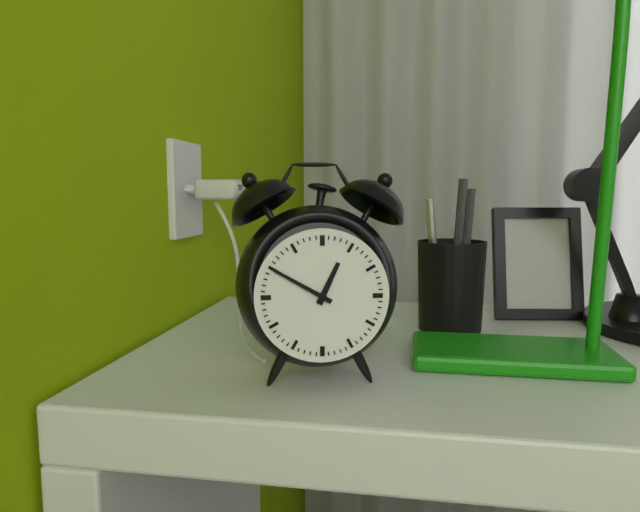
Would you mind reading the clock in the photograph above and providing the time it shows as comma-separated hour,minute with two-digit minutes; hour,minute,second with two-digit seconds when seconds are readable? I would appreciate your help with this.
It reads 12,50
